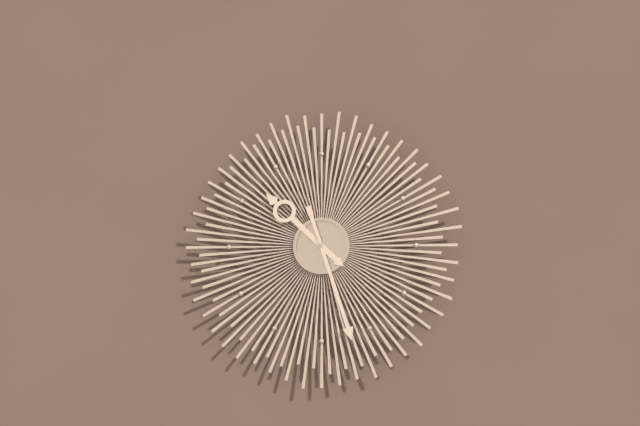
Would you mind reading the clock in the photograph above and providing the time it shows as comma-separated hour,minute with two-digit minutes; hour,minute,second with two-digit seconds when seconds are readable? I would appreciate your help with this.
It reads 10,27
